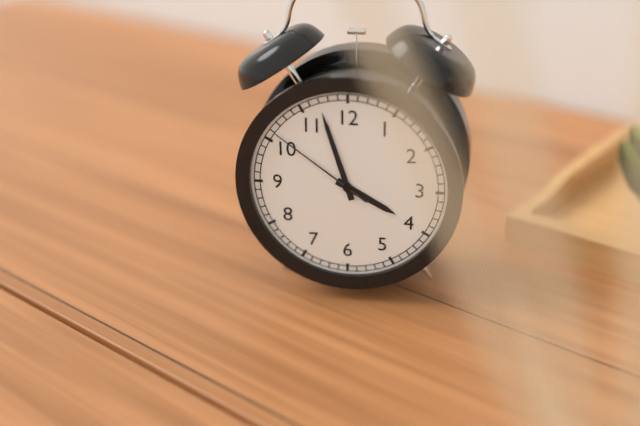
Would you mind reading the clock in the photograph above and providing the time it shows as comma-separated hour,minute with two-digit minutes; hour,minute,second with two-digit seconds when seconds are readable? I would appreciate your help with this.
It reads 3,57,51
